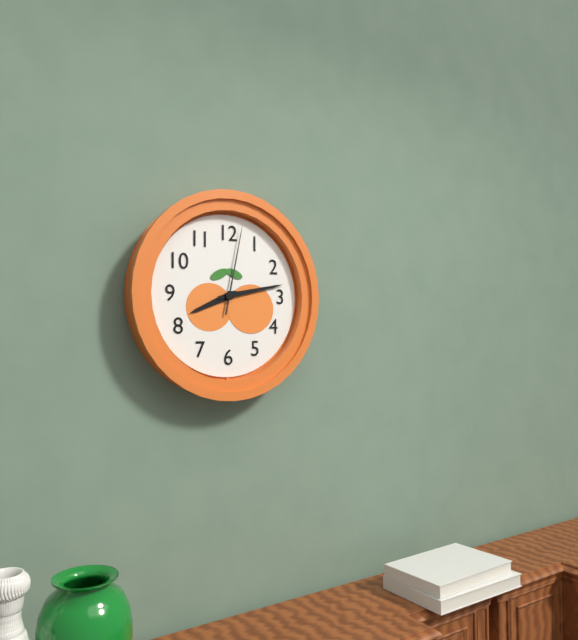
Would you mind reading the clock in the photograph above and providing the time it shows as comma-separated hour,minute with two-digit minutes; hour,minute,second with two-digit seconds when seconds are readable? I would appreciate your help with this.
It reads 8,13,02
